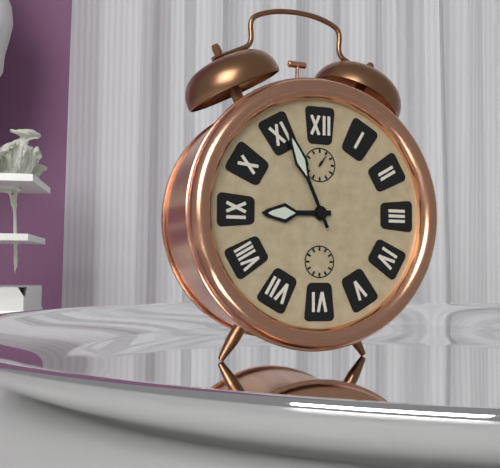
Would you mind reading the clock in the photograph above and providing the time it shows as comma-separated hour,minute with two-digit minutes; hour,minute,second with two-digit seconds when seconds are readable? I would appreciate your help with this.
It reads 8,56
